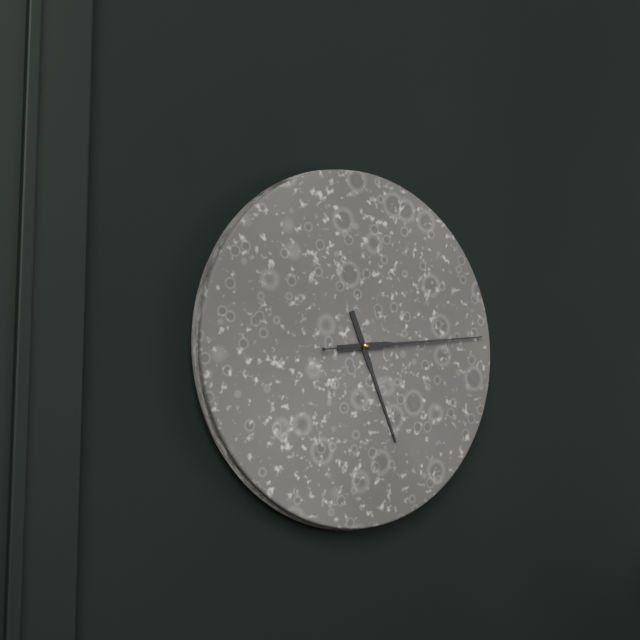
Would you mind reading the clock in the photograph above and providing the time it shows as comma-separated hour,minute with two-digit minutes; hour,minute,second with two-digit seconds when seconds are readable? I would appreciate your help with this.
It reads 5,14,14
